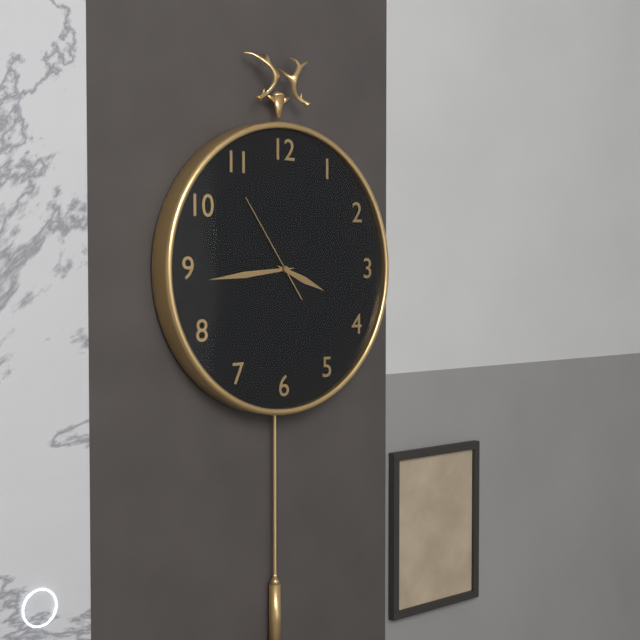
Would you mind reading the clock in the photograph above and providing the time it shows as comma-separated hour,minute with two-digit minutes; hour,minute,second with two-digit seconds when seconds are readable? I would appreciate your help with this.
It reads 3,44,54
